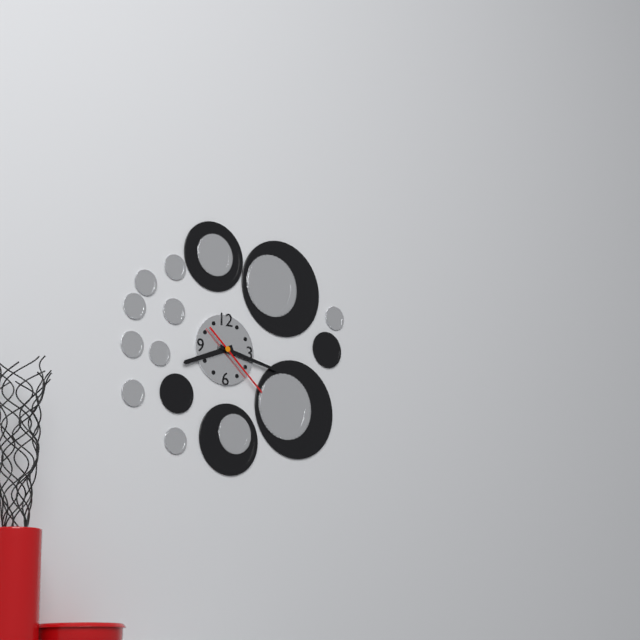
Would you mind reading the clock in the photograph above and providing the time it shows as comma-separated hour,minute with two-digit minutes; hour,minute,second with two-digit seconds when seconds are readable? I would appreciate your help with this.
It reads 8,17,22
